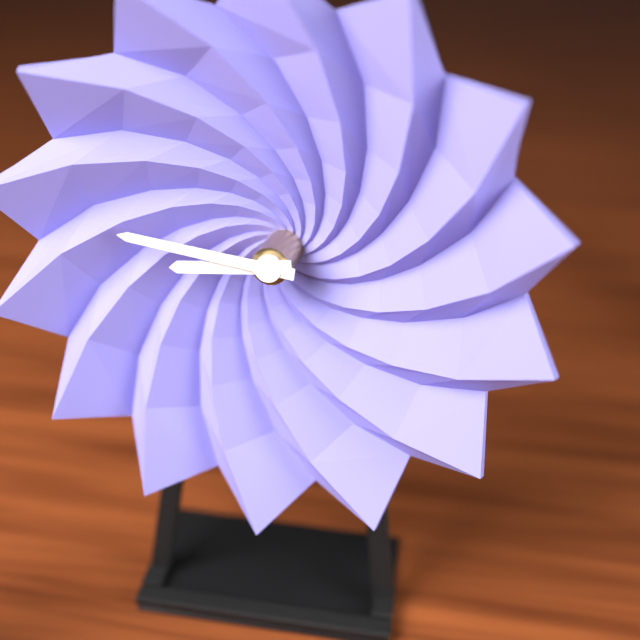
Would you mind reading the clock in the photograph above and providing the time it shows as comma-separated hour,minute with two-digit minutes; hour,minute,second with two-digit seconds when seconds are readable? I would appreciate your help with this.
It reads 8,46
